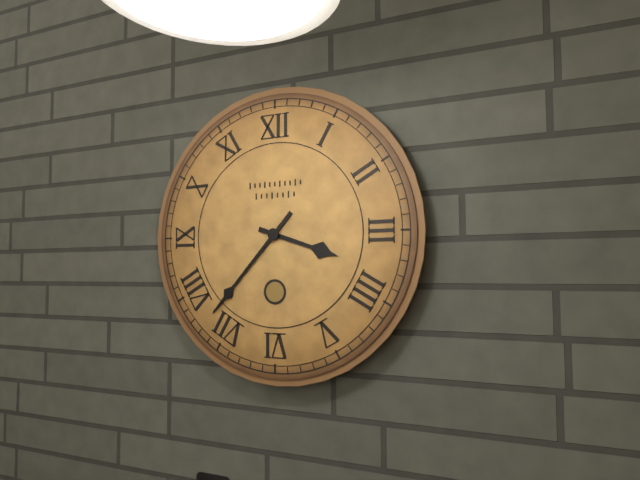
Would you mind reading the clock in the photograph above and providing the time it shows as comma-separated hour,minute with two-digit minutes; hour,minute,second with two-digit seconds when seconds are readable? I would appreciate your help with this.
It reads 3,37
